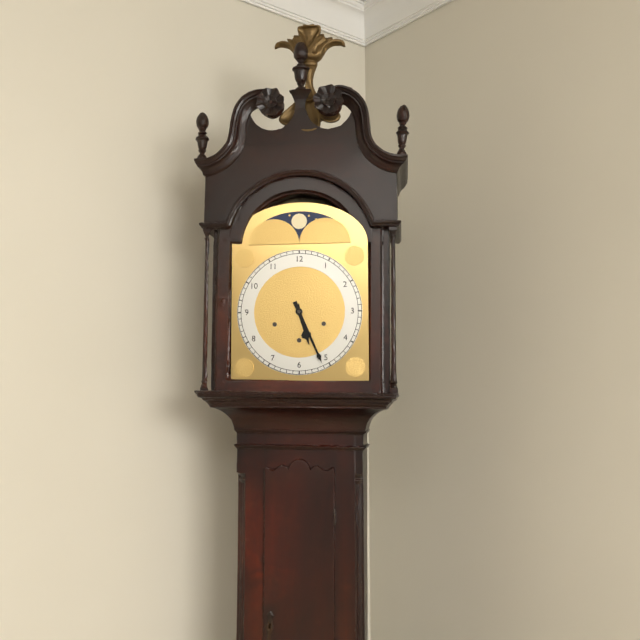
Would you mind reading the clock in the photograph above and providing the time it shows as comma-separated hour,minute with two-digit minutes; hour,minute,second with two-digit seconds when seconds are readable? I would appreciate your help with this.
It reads 5,26
